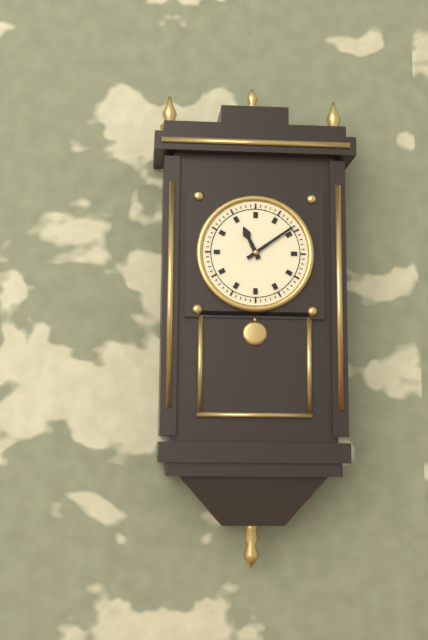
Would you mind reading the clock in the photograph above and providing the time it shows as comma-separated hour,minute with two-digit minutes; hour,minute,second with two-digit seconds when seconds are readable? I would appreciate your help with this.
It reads 11,09
